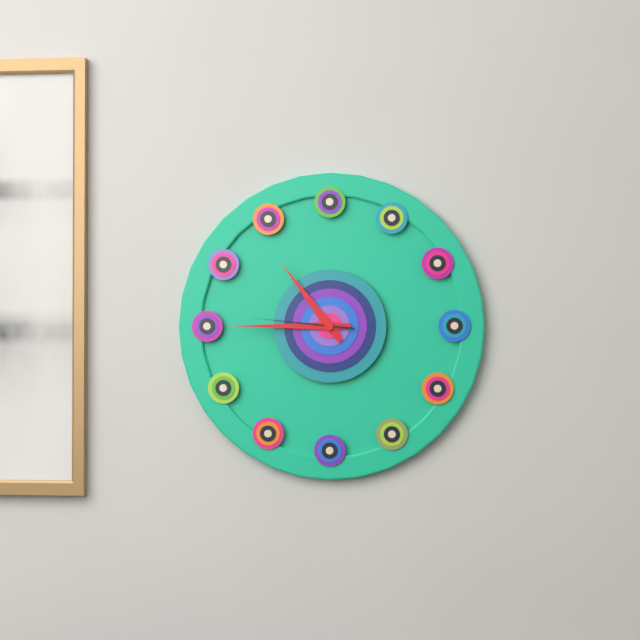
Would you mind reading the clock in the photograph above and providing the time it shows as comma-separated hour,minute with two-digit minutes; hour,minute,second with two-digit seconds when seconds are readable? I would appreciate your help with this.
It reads 10,45,46
